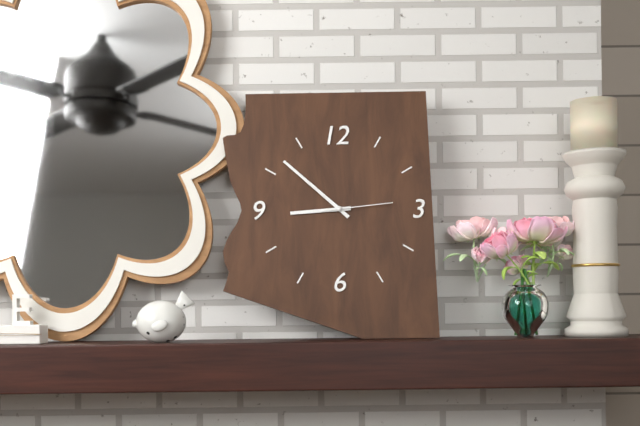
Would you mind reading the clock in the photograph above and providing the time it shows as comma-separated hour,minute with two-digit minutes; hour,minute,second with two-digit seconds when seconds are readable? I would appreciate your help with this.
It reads 8,52,14
